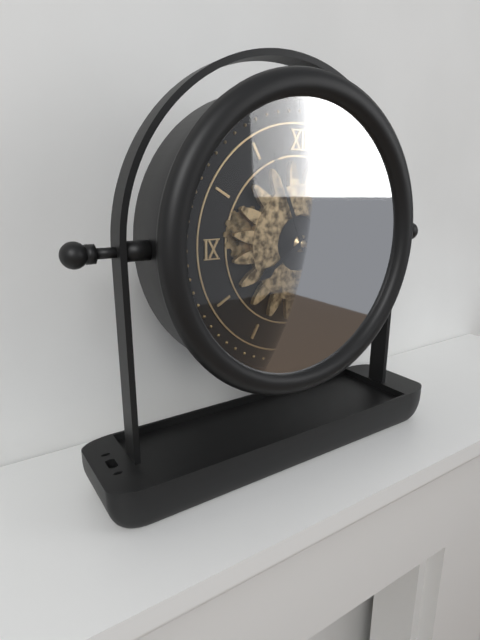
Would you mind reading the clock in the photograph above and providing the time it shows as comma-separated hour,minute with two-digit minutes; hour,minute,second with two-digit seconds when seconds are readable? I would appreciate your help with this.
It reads 7,56
